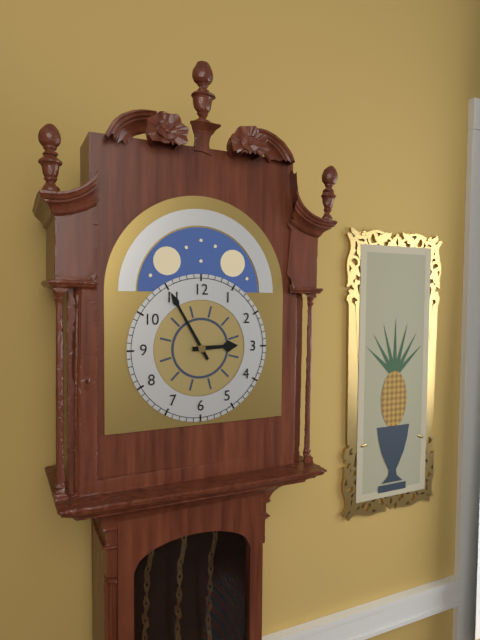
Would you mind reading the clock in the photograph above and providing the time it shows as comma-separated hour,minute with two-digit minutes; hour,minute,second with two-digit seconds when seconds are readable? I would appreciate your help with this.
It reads 2,55
